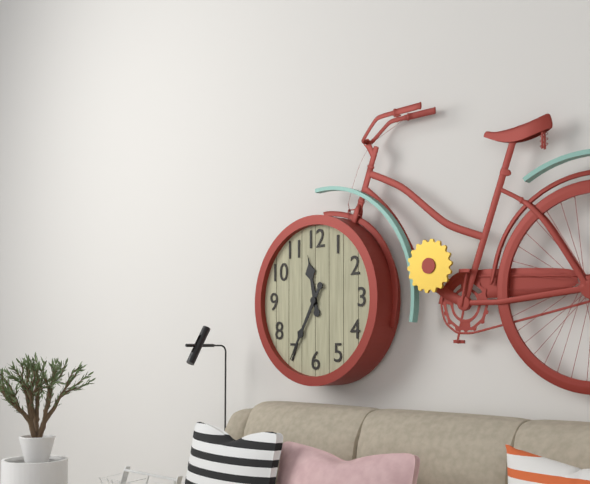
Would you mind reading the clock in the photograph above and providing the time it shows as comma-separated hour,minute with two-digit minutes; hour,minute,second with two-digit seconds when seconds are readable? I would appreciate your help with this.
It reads 11,35
